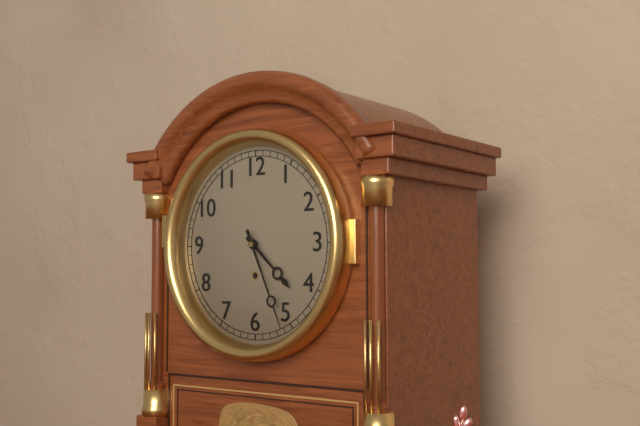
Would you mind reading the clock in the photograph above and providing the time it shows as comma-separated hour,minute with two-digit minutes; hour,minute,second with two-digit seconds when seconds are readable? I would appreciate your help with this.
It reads 4,26
